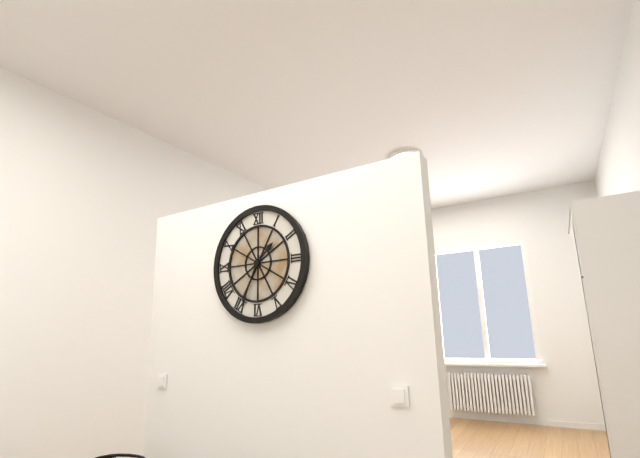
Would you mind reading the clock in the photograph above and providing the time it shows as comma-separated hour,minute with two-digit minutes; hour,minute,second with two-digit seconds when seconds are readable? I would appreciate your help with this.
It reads 1,34
